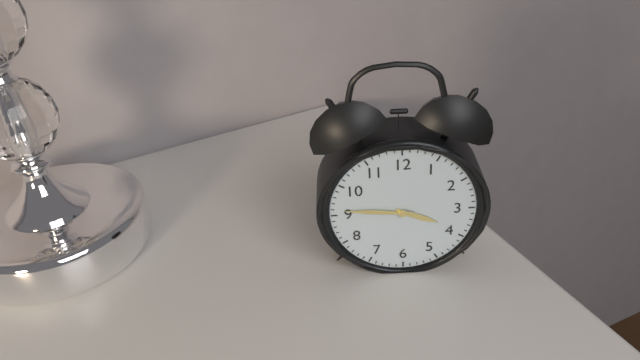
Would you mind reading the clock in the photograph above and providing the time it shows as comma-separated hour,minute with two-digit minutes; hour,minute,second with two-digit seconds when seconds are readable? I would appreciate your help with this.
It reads 3,46
